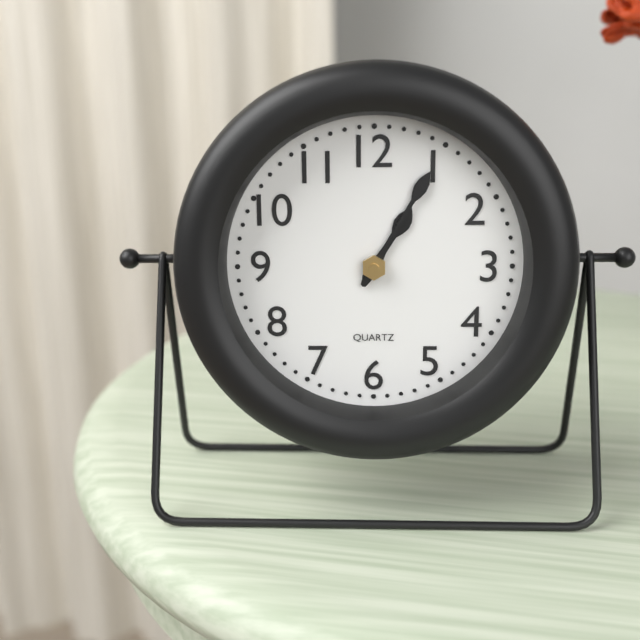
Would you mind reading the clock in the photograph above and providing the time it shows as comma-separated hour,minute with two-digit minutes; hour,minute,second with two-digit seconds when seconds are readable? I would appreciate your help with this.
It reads 1,05
